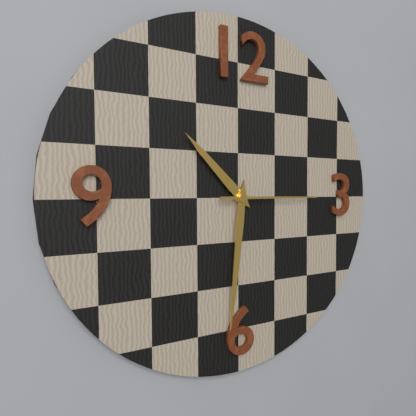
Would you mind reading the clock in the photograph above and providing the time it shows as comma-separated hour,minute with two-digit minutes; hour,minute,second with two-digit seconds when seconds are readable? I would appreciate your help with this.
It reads 10,31,15
